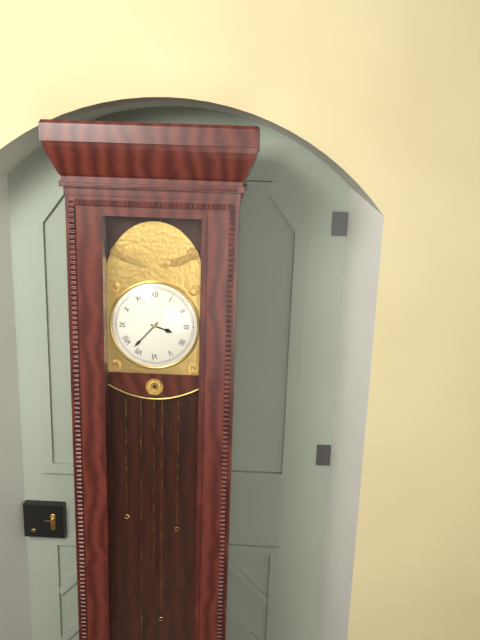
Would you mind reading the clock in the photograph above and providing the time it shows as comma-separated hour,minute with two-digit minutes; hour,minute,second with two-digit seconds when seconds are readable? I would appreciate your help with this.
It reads 3,37
